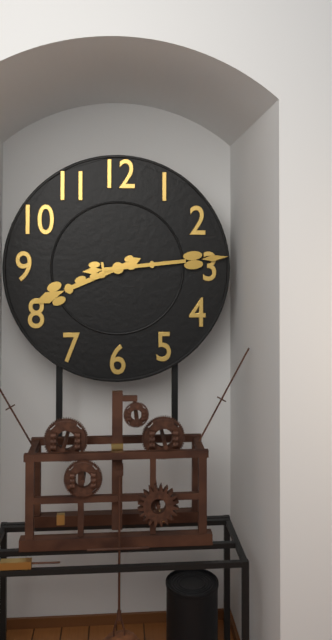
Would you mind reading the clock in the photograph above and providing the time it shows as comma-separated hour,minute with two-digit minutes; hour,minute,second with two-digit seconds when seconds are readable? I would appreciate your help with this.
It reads 8,14
